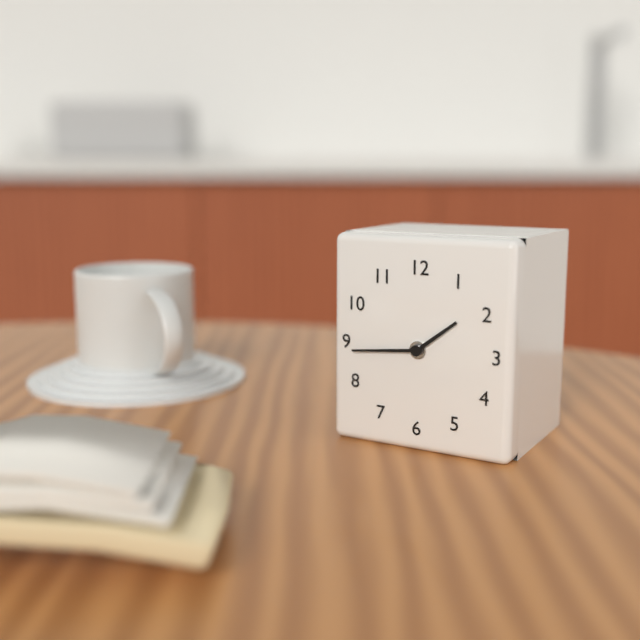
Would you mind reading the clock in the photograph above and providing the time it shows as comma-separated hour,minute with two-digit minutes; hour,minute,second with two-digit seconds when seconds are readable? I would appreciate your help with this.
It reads 1,44
